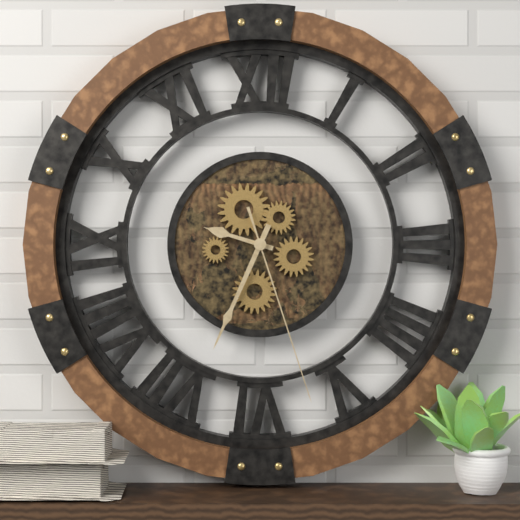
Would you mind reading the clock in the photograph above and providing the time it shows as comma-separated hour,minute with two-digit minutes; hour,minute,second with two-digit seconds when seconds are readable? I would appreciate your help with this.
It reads 9,34,27
